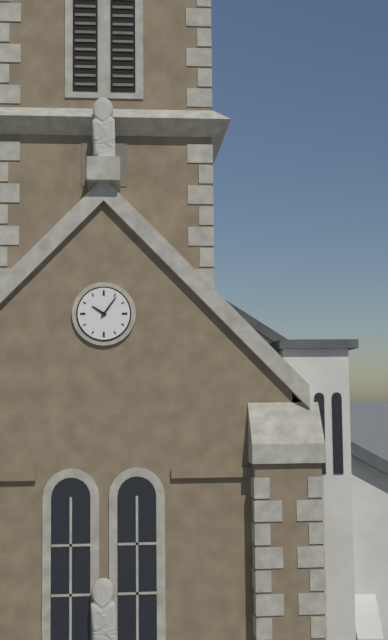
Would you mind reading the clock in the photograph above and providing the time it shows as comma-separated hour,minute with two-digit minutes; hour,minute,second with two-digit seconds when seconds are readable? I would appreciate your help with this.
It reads 10,06
